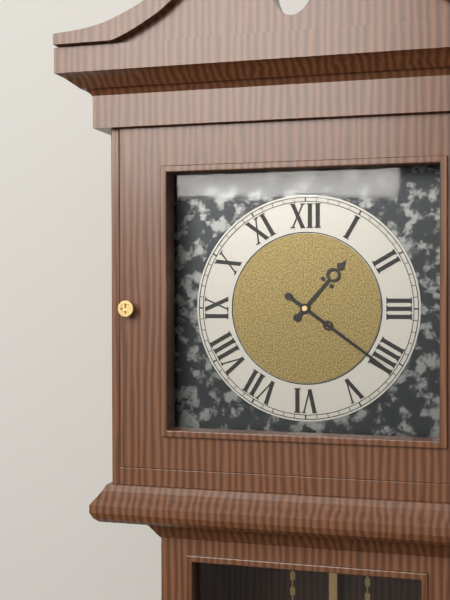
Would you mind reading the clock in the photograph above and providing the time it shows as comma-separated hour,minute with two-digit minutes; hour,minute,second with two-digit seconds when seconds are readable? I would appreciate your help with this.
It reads 1,21
